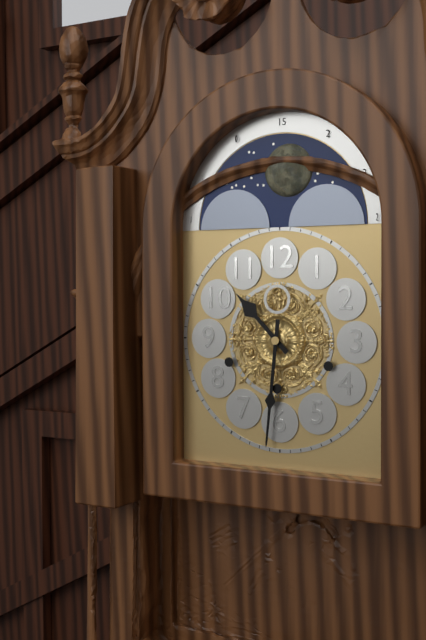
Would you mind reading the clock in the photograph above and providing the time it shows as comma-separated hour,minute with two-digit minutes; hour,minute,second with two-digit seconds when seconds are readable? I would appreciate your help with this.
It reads 10,31
